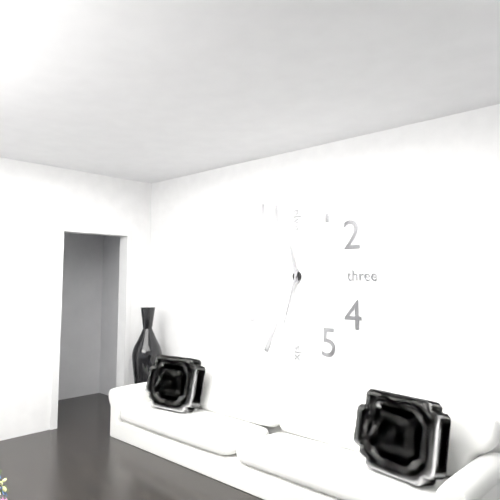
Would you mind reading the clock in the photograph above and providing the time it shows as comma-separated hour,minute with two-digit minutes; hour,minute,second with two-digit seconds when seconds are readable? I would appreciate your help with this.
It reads 11,33
